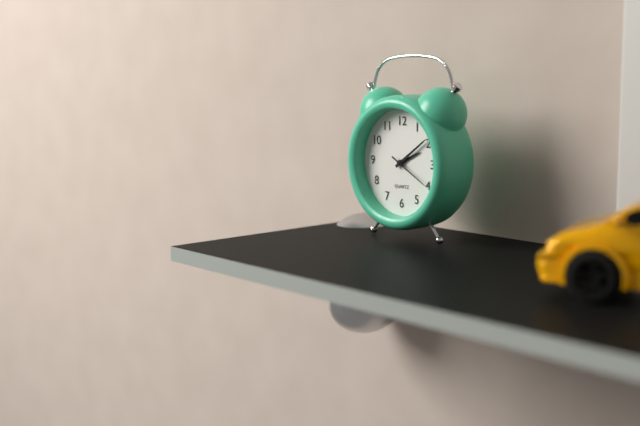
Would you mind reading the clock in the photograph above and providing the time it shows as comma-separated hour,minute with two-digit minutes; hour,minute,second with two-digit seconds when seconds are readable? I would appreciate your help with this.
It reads 2,09
